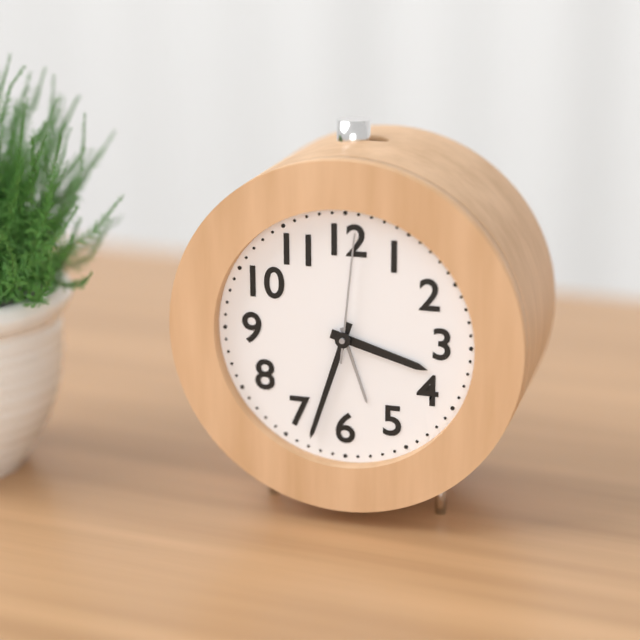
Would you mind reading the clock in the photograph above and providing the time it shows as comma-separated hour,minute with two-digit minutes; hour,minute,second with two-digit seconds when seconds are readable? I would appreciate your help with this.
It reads 3,33,01
